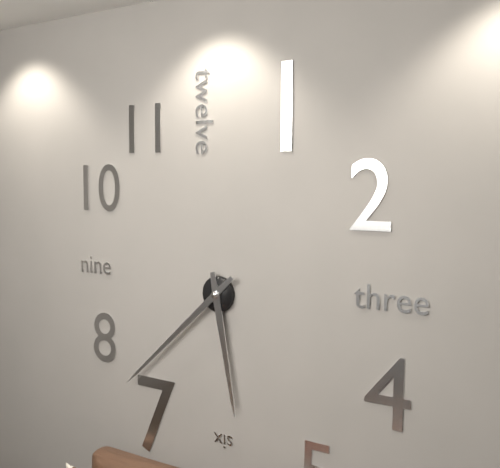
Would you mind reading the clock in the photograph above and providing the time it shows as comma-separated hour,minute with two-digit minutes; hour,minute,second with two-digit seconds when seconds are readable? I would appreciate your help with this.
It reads 5,38
